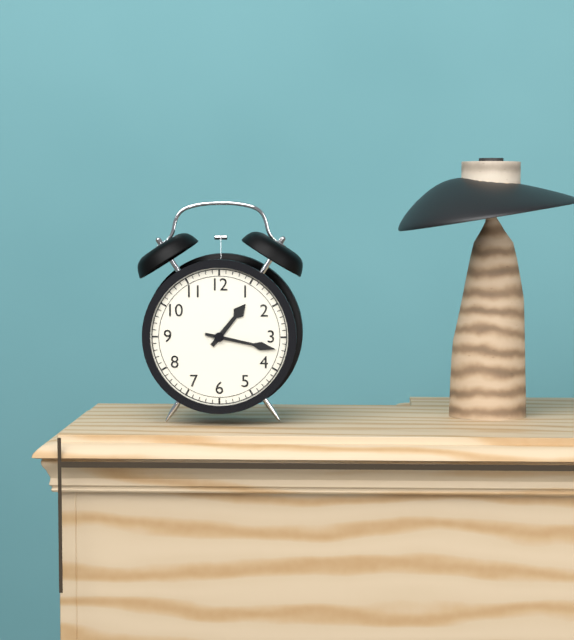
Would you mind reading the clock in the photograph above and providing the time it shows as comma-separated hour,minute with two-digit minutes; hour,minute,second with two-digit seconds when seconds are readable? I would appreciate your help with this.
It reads 1,17
